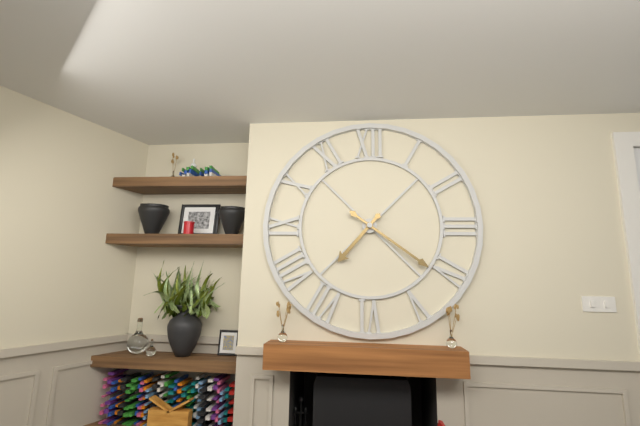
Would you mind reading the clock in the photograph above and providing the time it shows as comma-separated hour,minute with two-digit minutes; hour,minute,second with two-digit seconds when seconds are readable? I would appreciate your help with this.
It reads 7,21
